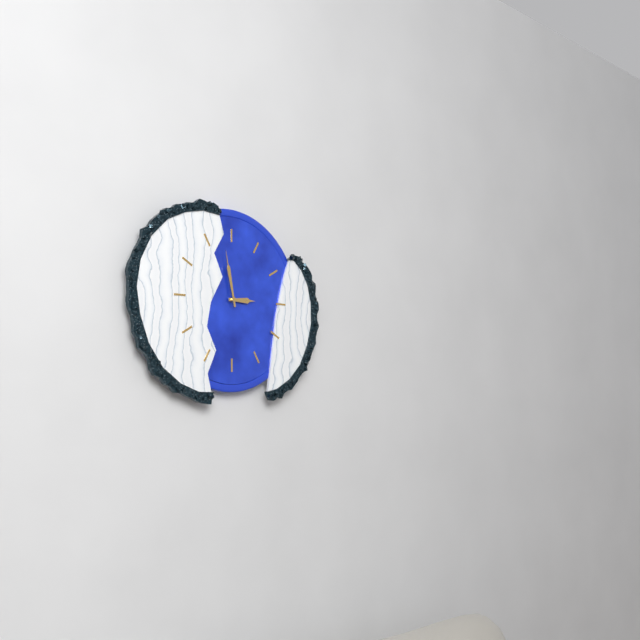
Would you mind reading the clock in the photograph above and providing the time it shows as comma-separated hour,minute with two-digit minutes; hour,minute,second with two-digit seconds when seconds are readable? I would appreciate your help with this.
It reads 2,58
